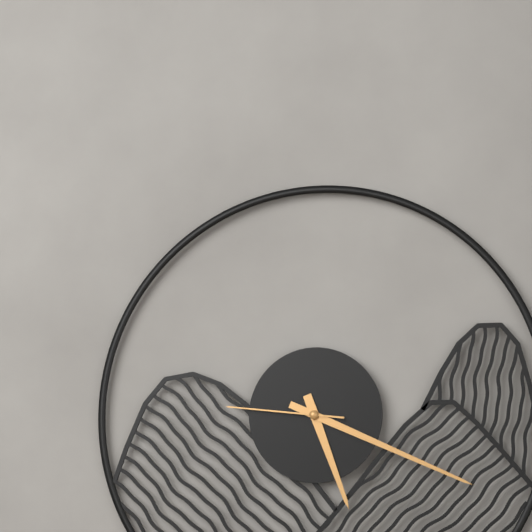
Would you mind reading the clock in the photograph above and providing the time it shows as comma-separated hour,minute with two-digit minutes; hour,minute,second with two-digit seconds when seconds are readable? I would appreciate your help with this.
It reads 5,19,46
